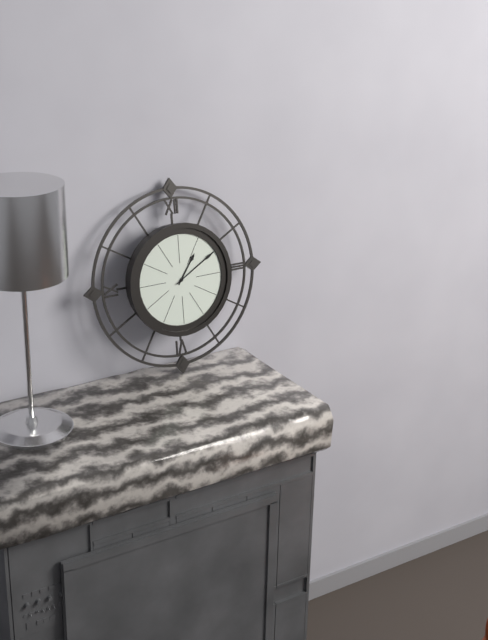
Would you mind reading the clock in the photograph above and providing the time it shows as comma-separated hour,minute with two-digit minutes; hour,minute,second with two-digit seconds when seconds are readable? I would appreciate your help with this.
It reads 1,10
